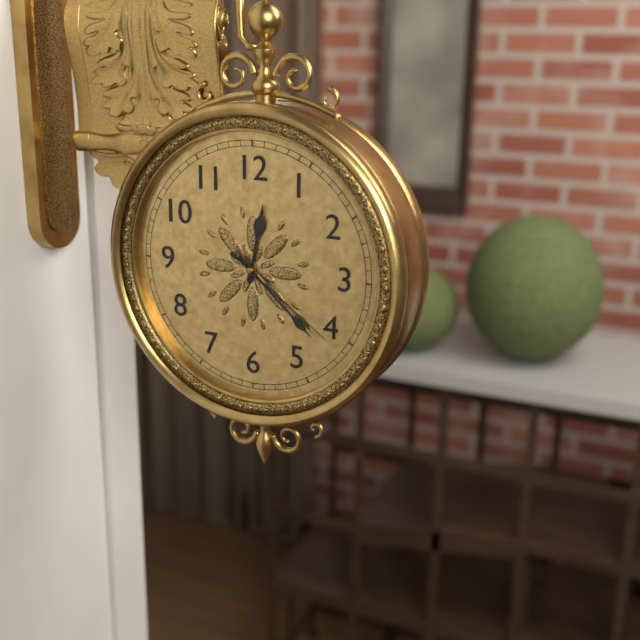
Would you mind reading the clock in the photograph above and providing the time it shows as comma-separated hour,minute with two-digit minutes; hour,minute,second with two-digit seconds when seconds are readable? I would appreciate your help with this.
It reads 12,22,21
